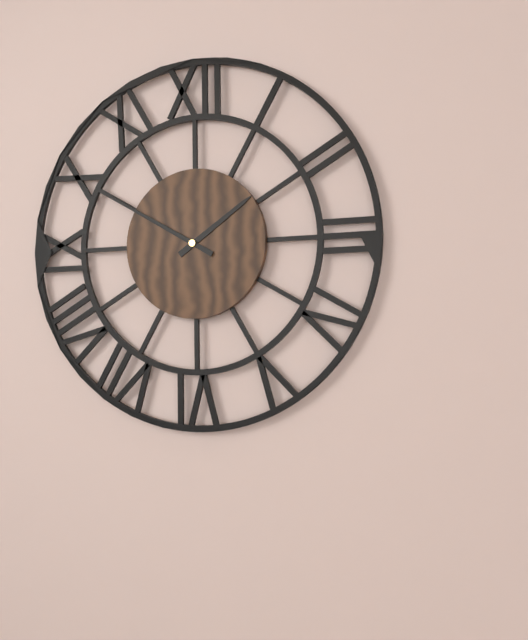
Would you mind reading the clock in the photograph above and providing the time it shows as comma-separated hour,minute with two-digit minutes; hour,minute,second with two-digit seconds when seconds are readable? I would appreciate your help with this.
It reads 1,50
